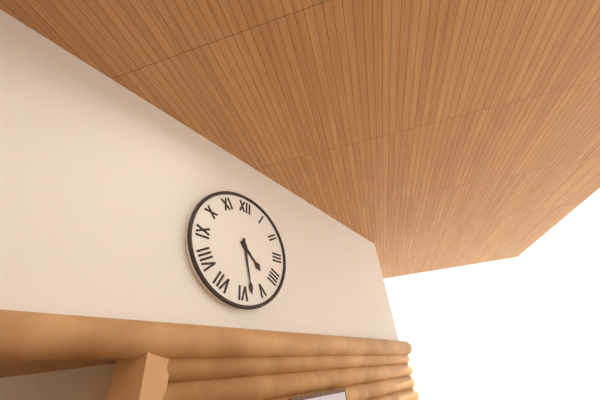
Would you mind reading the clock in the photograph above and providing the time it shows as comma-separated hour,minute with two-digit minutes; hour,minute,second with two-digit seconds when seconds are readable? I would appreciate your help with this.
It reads 4,28
